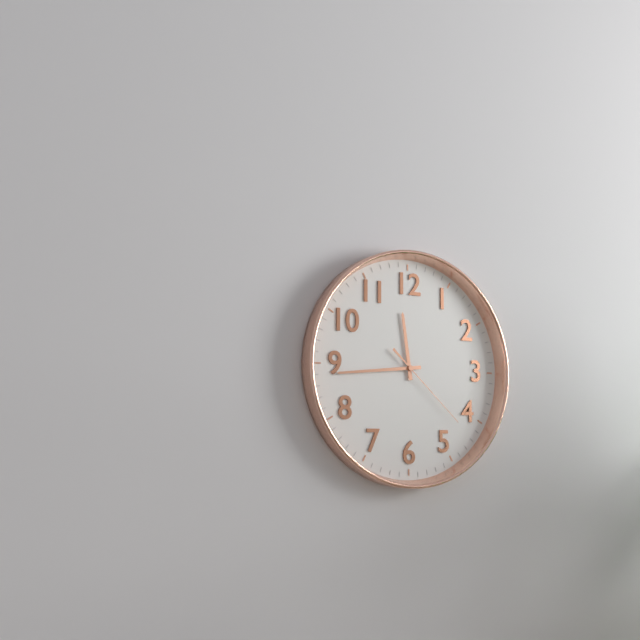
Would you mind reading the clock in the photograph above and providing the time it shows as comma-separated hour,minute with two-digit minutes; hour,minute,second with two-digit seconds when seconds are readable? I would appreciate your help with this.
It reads 11,44,22
